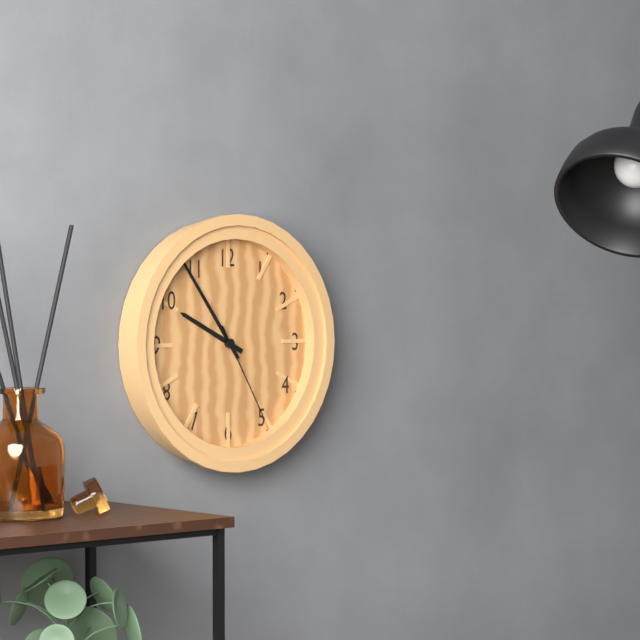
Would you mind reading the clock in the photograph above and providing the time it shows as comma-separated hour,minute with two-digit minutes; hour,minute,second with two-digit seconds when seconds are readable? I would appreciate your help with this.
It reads 9,54,25
